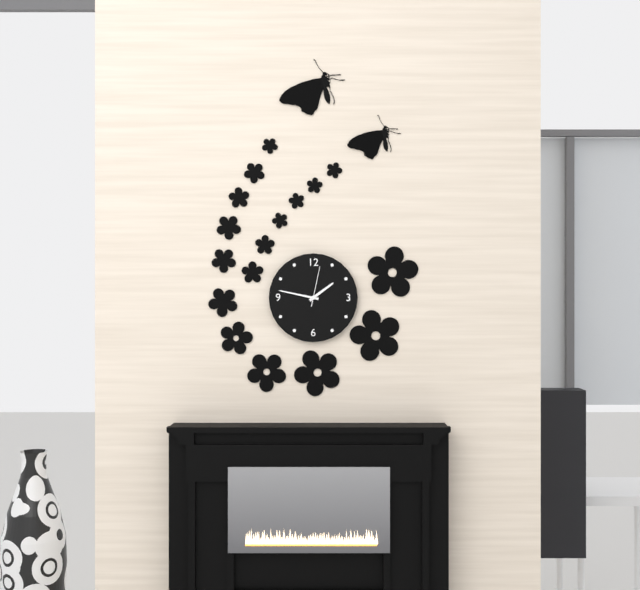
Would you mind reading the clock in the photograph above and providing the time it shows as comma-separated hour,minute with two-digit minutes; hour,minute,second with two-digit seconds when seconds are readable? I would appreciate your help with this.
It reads 1,47
